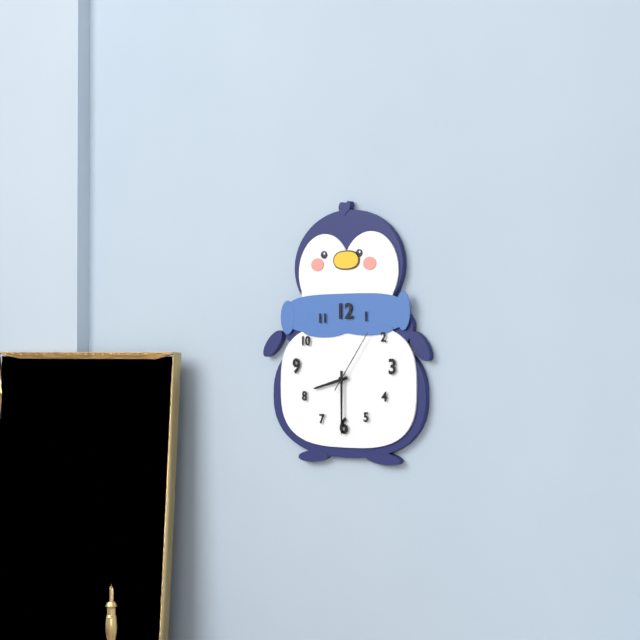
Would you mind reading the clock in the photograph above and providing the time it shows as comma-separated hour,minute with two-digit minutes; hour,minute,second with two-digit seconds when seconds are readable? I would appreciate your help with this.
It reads 8,30,06
